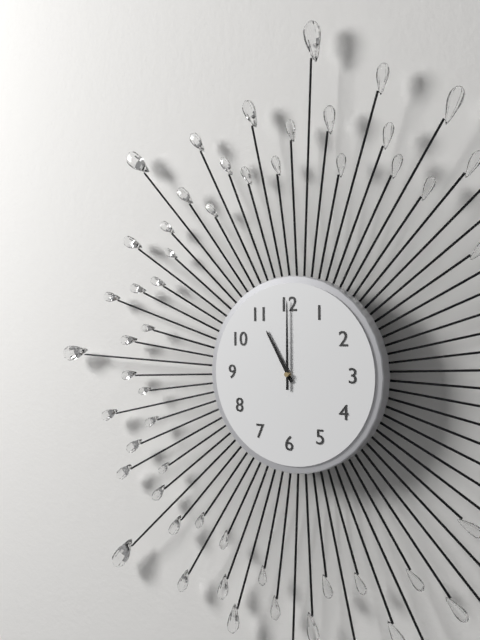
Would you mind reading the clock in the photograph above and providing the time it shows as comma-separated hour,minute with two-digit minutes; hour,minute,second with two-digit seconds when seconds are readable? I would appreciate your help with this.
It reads 11,00
